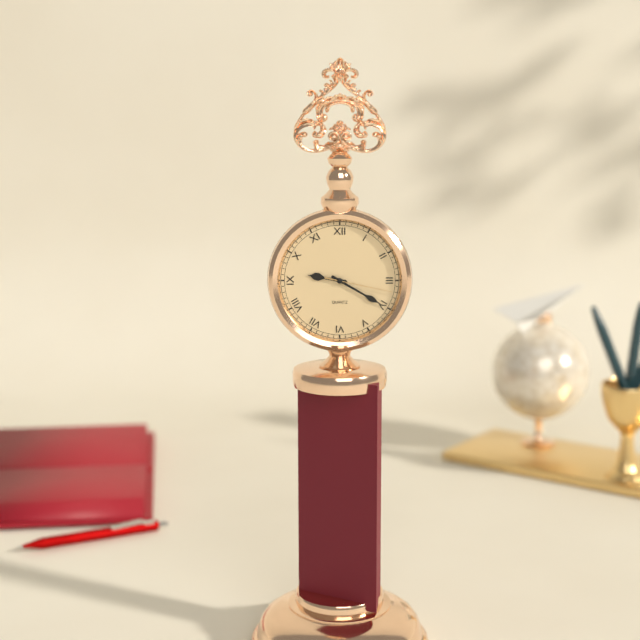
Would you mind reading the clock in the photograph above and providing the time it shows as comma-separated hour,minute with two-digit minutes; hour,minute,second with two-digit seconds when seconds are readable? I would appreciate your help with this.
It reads 9,20,17
